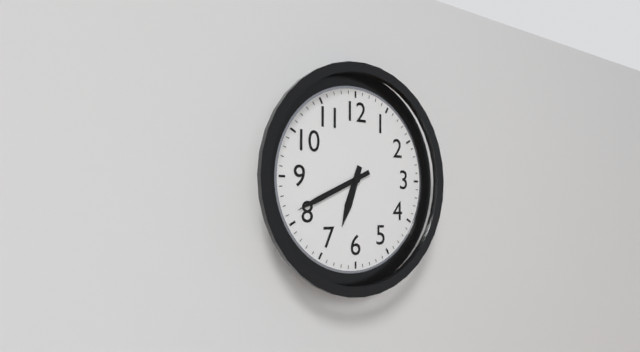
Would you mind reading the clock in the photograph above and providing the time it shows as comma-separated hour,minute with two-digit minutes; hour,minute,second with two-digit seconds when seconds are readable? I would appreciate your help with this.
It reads 6,41
